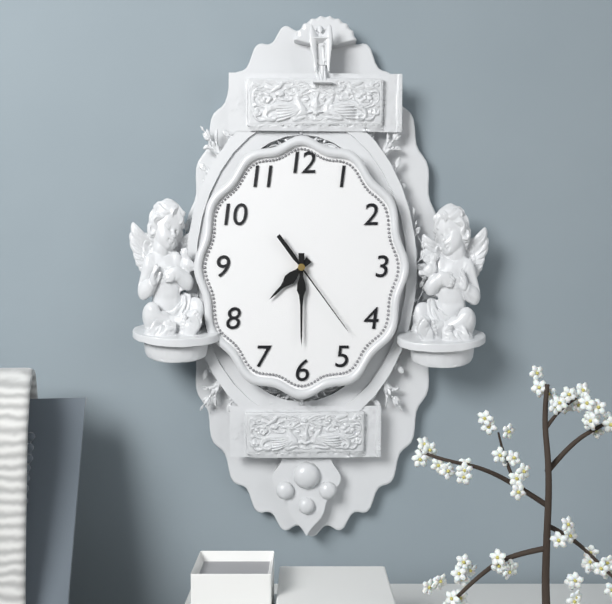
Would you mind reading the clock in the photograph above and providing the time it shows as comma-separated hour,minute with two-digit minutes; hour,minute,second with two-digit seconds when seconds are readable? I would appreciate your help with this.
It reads 7,30,24
